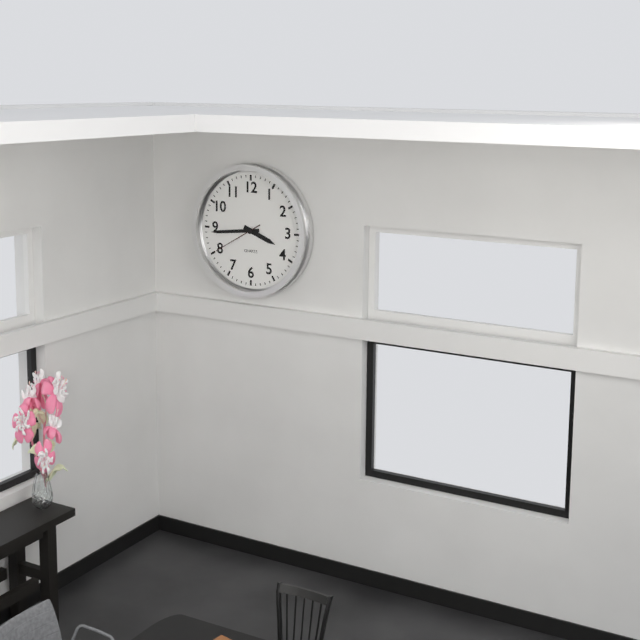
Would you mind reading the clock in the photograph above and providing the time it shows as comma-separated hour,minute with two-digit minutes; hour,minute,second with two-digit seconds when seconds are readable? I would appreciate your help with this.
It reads 3,44,40
